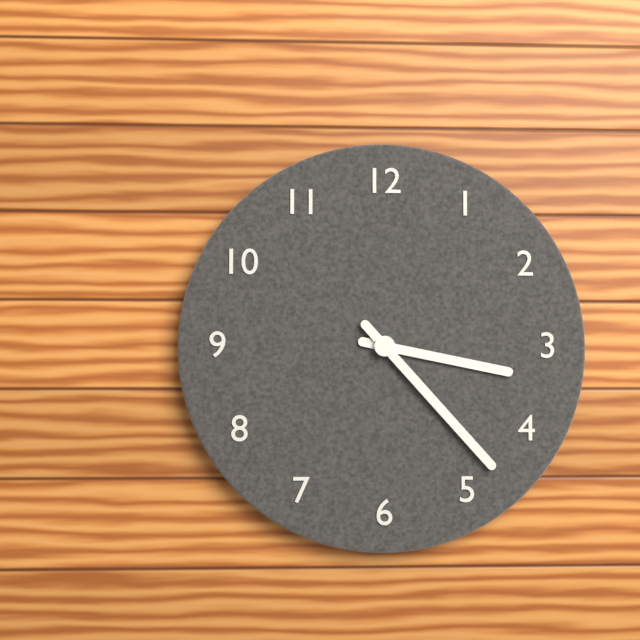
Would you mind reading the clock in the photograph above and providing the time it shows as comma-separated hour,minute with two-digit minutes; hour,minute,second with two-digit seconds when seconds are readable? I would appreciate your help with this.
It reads 3,23
